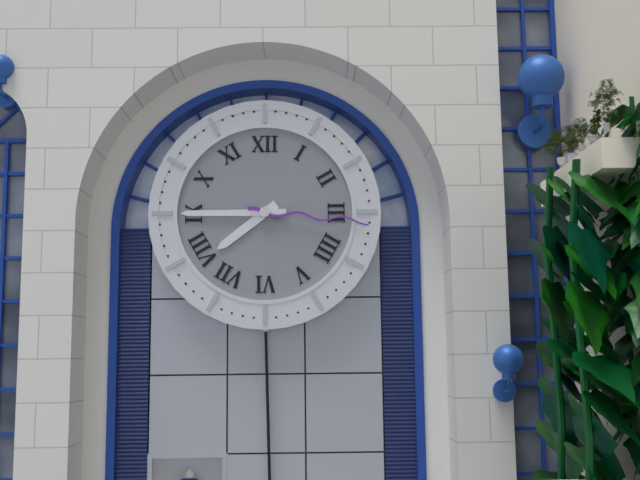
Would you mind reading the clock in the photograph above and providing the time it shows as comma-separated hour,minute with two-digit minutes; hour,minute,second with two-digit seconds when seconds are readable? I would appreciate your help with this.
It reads 7,45,16
